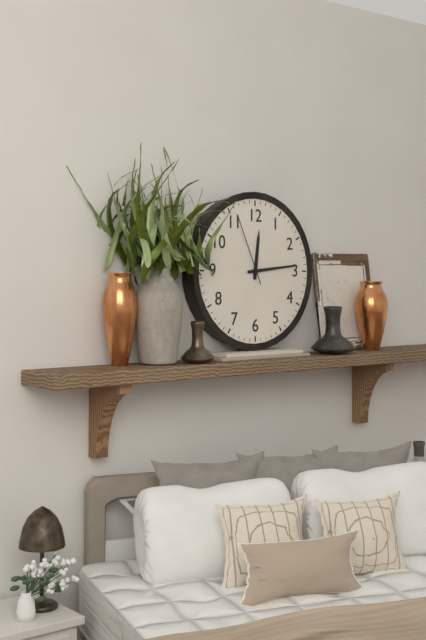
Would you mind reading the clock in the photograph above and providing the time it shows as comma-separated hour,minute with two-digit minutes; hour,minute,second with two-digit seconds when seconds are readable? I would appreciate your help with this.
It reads 12,14,56
